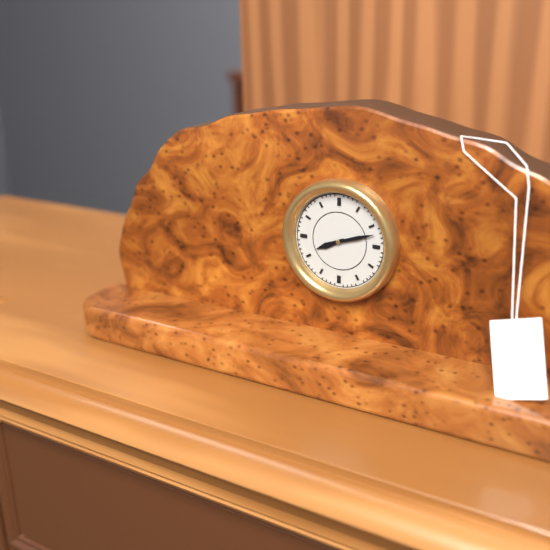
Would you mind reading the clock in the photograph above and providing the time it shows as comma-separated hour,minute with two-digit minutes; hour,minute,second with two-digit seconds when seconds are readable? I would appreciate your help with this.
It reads 8,12
